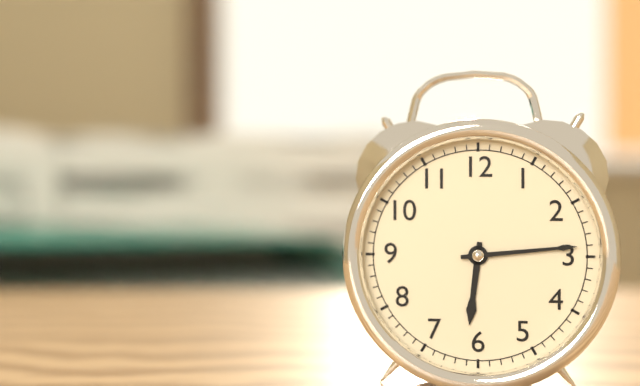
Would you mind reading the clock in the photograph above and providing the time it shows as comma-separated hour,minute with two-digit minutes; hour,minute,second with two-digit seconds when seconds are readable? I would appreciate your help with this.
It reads 6,14
